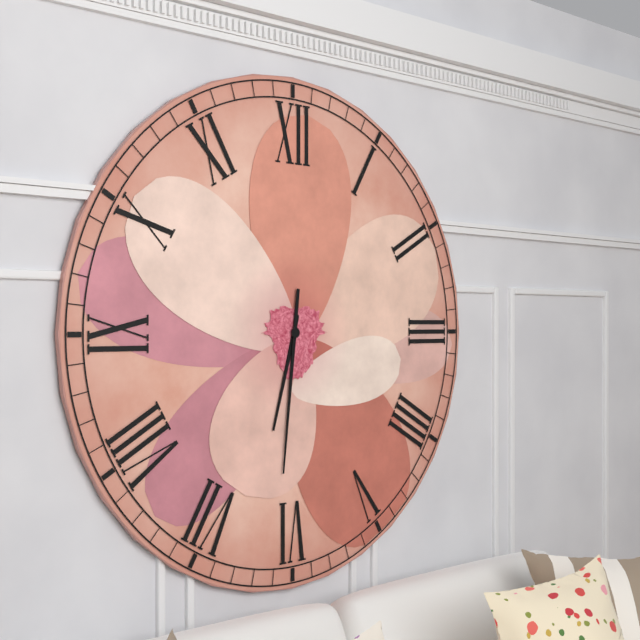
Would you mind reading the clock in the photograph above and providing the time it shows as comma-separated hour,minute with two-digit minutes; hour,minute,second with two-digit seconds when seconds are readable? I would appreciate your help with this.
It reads 6,31
